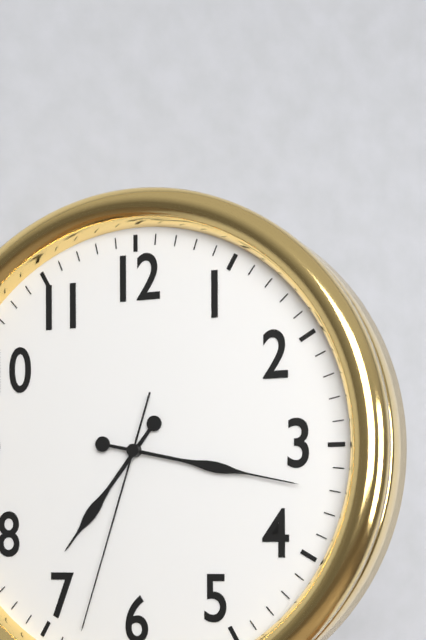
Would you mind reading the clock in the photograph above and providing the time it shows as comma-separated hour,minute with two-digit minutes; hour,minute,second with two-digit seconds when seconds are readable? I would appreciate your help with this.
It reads 7,17,33
